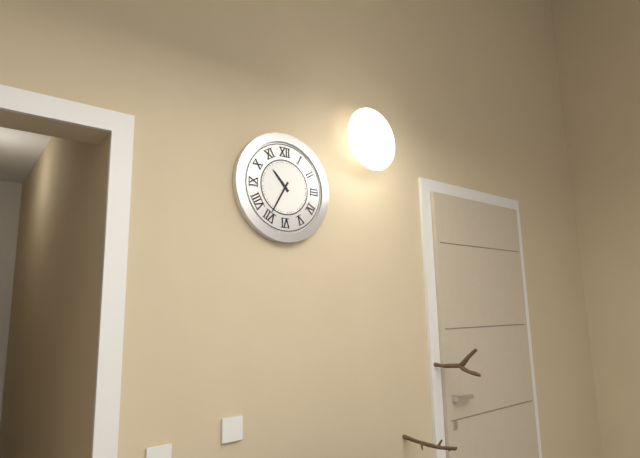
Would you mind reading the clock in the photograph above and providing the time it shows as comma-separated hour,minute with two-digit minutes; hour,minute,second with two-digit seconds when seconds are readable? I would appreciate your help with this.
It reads 10,35
